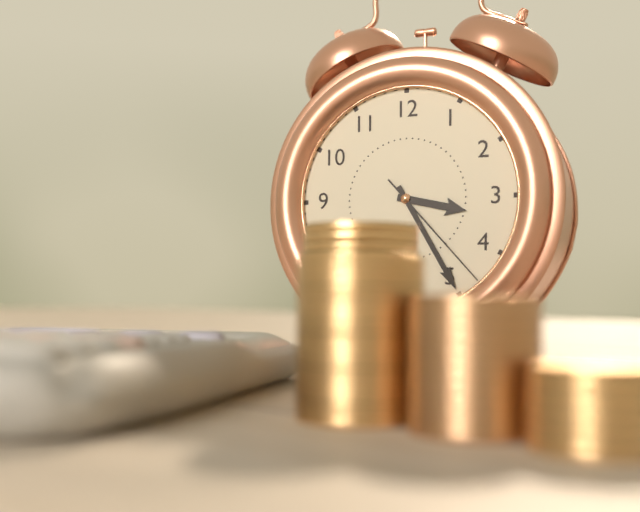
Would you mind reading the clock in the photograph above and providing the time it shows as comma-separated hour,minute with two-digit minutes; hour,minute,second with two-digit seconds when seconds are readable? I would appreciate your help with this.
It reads 3,25,23
